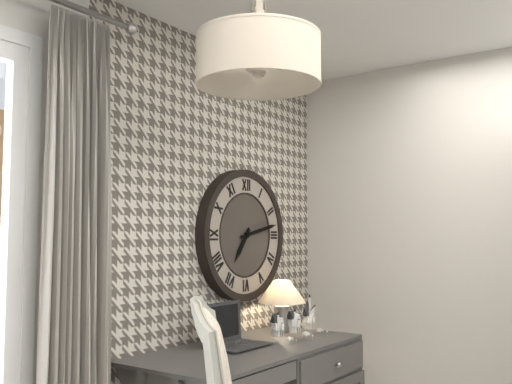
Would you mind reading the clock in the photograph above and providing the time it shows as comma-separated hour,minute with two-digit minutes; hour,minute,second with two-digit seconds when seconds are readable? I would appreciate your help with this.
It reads 7,13
